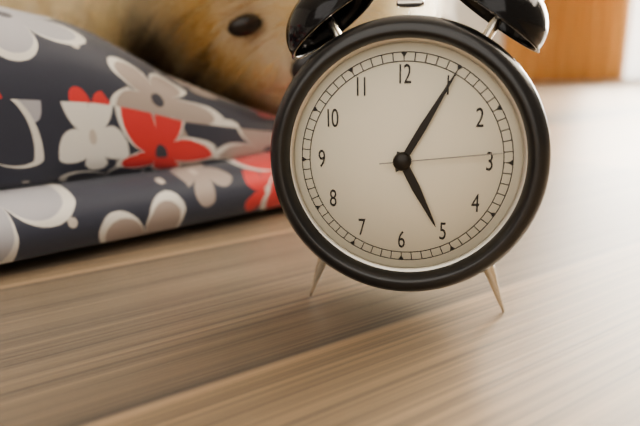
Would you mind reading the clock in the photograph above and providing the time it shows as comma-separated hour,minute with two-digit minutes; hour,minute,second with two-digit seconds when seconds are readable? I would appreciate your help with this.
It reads 5,05,14
